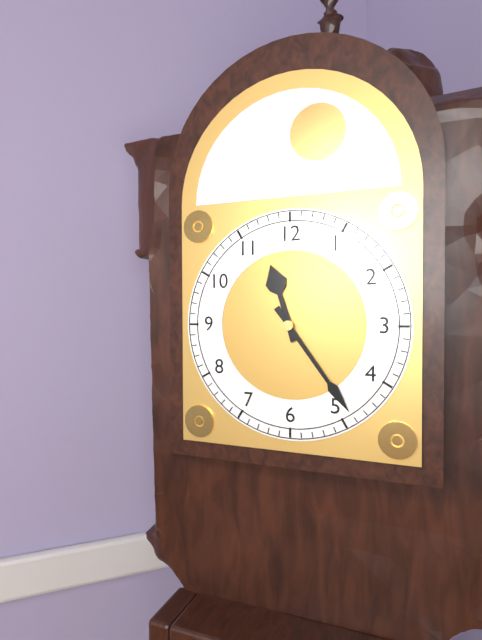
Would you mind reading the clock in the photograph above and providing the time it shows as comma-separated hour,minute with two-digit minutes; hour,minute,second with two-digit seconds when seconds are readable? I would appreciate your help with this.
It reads 11,24
